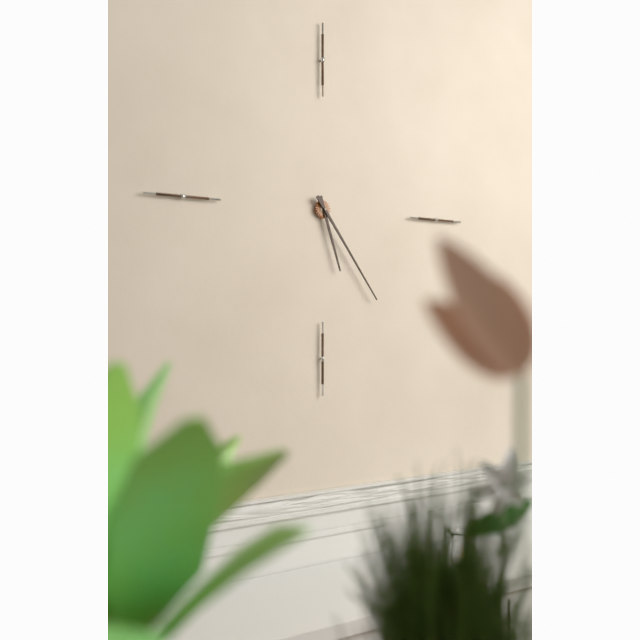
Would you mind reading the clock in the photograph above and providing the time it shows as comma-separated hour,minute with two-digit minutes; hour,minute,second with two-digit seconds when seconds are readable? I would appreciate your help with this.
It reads 5,24
